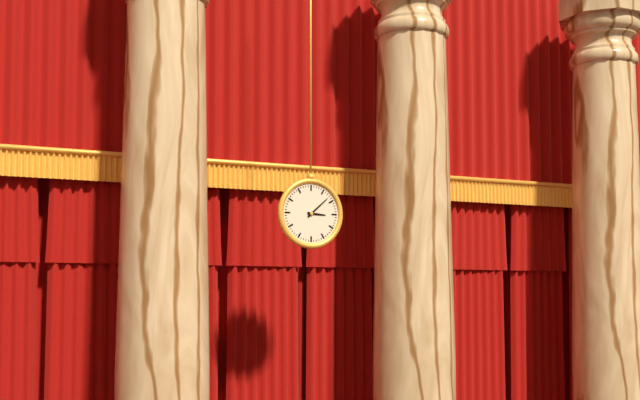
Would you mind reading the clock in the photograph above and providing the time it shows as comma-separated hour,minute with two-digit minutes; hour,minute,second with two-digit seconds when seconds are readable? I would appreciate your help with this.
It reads 3,08
